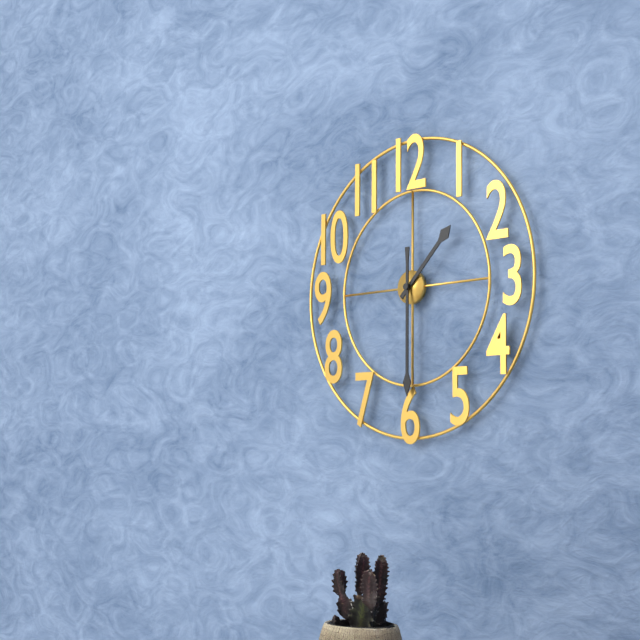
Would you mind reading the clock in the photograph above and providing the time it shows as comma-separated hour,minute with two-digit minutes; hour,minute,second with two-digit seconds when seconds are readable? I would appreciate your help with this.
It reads 1,30
